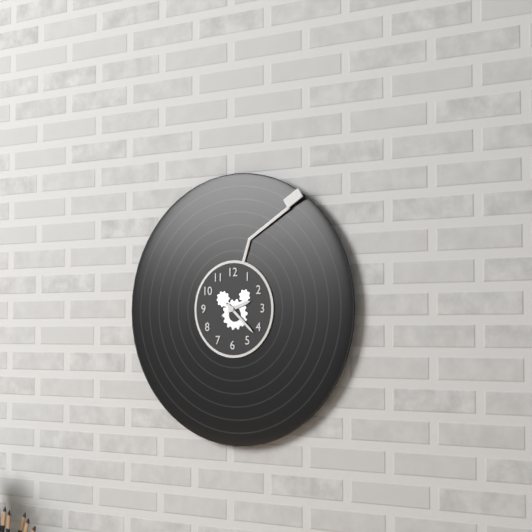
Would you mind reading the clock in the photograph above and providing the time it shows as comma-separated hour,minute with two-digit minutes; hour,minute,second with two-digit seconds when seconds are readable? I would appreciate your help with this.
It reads 2,22
